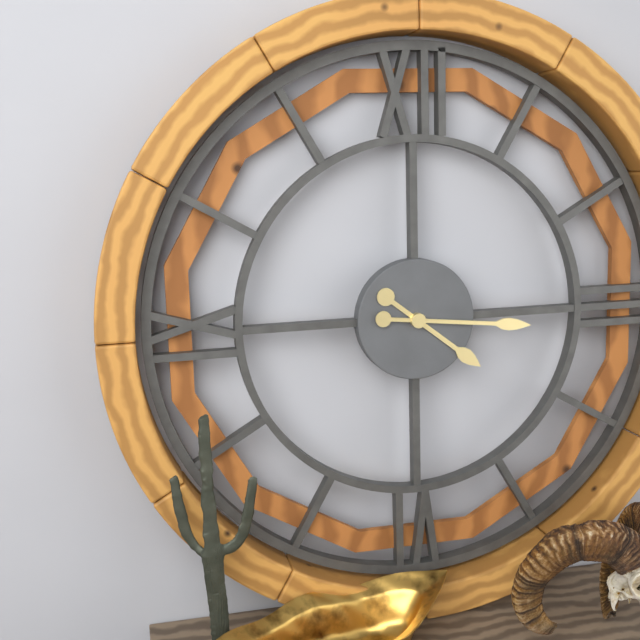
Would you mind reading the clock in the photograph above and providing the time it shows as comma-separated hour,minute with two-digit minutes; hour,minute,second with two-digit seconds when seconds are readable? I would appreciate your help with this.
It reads 4,16
